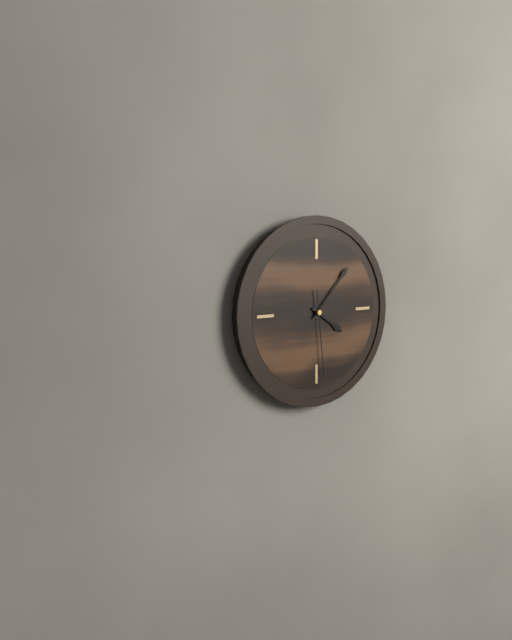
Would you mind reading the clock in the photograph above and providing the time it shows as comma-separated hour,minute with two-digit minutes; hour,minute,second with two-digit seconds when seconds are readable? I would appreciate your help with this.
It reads 4,07,29
